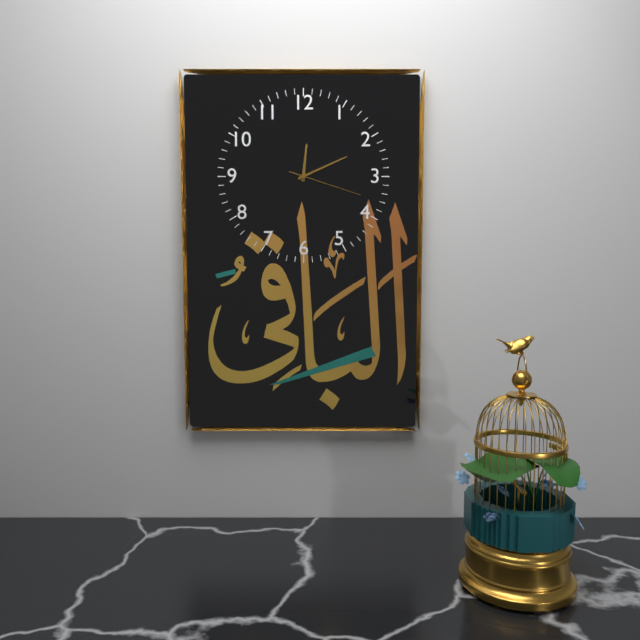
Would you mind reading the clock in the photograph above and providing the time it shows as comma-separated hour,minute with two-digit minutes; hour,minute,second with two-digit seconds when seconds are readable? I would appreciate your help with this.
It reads 12,11,18
